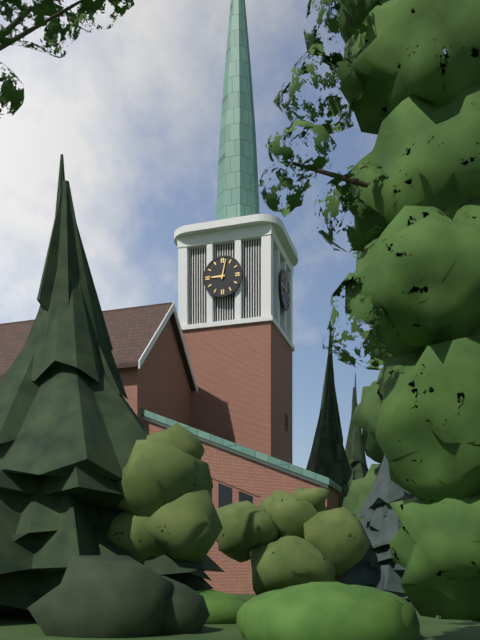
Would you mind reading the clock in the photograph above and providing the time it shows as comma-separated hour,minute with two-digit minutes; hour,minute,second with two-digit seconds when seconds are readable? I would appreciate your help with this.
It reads 9,02
